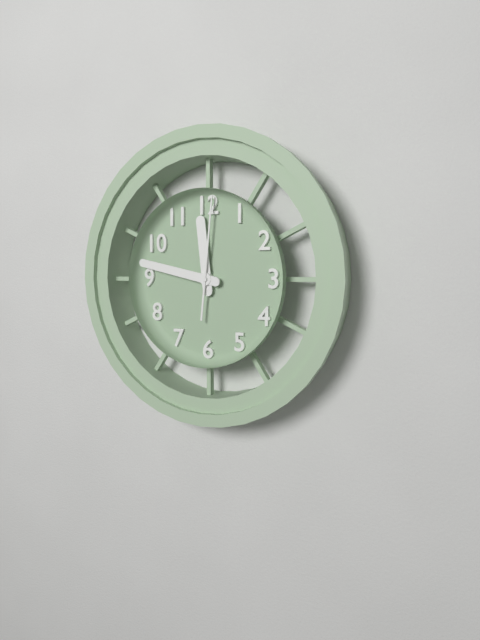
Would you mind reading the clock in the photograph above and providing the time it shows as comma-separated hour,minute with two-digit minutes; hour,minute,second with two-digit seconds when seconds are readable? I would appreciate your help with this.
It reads 11,47,01
